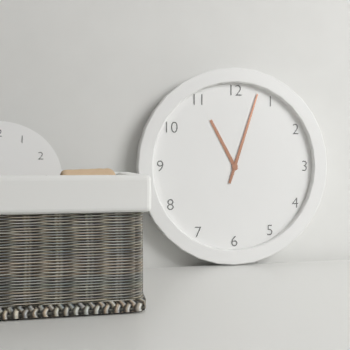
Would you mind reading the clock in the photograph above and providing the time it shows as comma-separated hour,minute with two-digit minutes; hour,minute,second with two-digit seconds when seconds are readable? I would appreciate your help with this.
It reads 11,03
